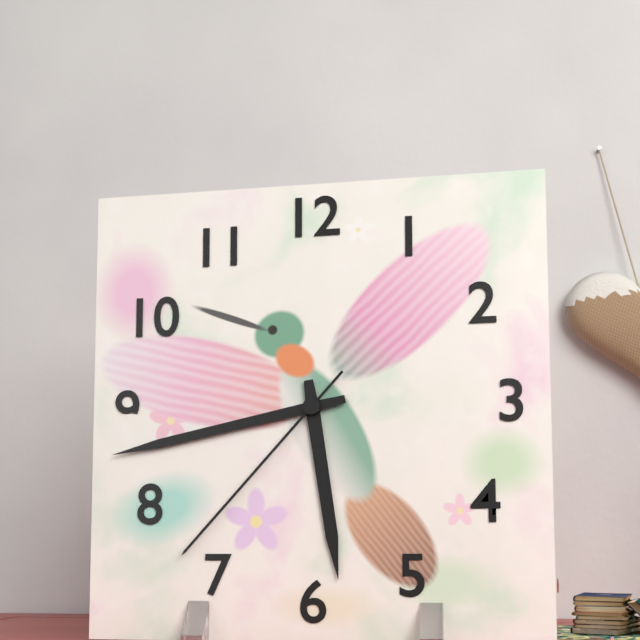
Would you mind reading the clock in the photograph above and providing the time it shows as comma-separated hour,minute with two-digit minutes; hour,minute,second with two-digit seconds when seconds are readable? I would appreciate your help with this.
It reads 5,43,37
